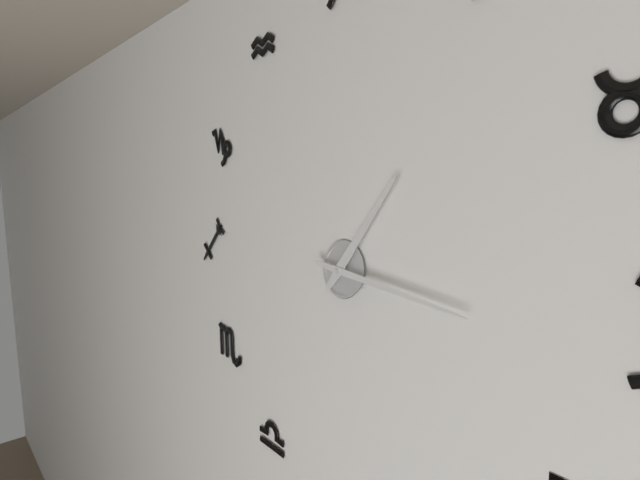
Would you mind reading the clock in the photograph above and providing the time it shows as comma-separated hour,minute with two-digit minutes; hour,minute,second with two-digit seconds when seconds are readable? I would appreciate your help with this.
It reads 1,16
